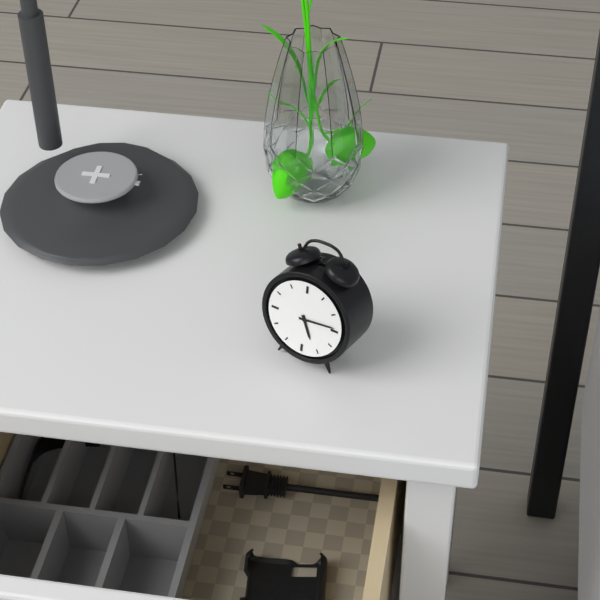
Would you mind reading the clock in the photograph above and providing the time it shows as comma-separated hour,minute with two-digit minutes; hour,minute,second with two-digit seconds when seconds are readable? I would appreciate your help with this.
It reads 5,14
